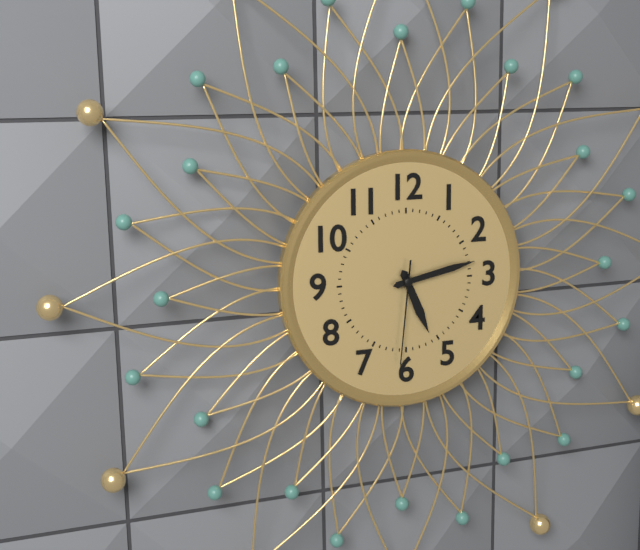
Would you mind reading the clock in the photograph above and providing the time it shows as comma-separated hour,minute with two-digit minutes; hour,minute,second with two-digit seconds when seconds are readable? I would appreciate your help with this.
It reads 5,13,31
